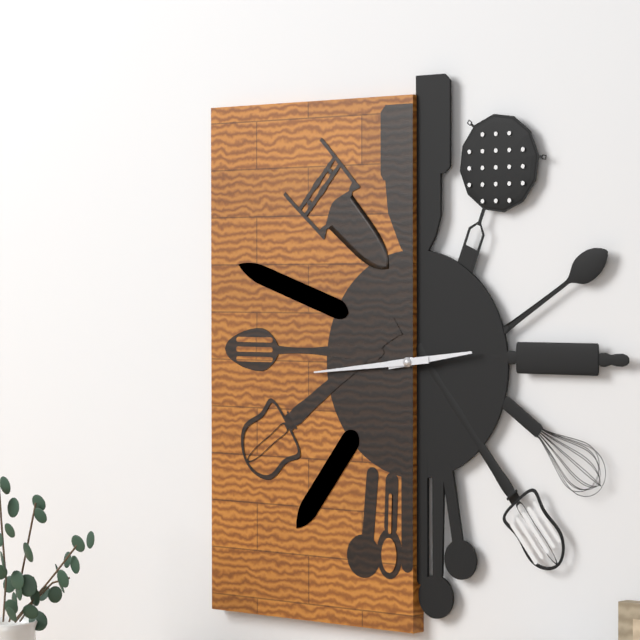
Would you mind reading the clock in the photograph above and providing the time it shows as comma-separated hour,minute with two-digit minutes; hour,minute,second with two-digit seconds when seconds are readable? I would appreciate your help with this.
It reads 2,44
